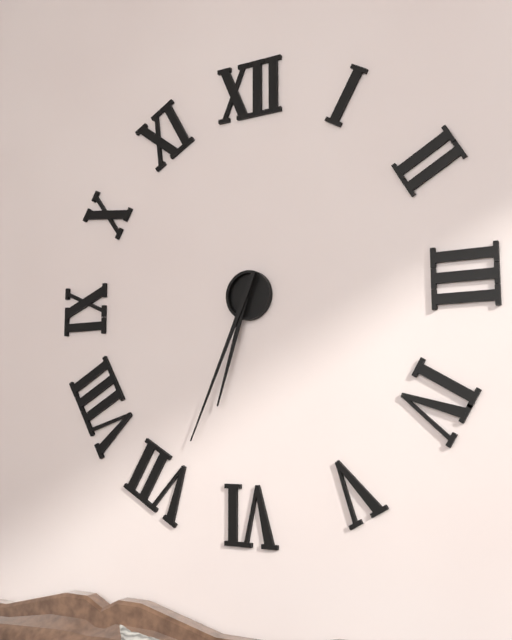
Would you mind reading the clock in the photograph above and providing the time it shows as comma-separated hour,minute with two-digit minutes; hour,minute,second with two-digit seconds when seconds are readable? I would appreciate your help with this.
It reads 6,34
